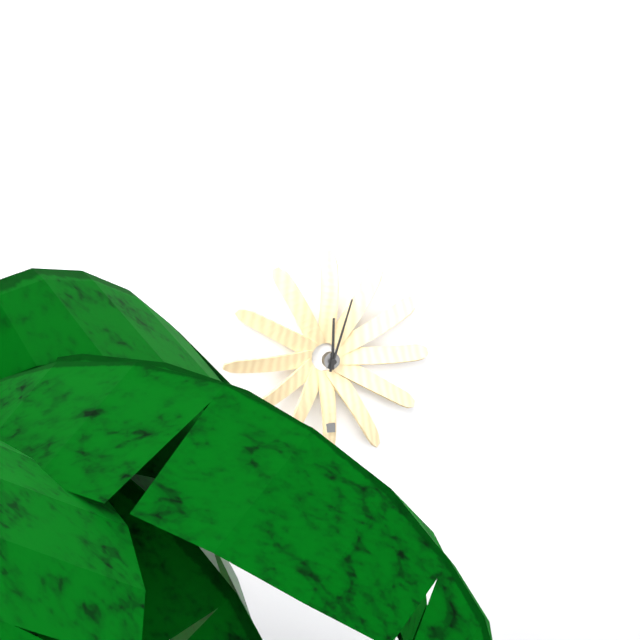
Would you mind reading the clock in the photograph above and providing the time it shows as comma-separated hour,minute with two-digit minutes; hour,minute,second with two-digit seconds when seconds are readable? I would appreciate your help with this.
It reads 12,03
